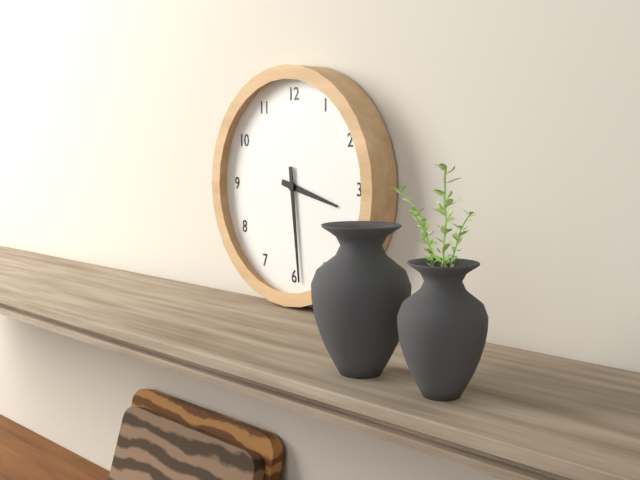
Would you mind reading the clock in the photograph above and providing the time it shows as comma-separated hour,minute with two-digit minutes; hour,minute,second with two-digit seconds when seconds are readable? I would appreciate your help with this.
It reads 3,29
